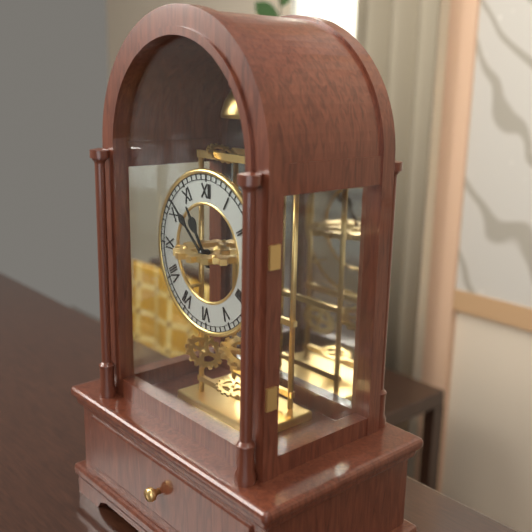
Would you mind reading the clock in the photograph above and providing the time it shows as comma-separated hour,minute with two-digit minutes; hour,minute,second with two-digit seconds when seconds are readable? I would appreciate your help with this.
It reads 10,52
